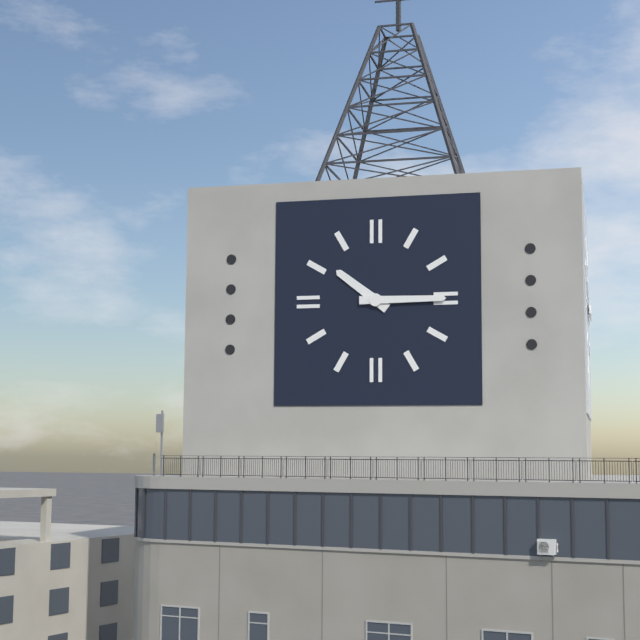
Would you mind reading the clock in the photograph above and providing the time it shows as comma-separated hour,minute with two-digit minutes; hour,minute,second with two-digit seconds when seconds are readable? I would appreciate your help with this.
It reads 10,15
